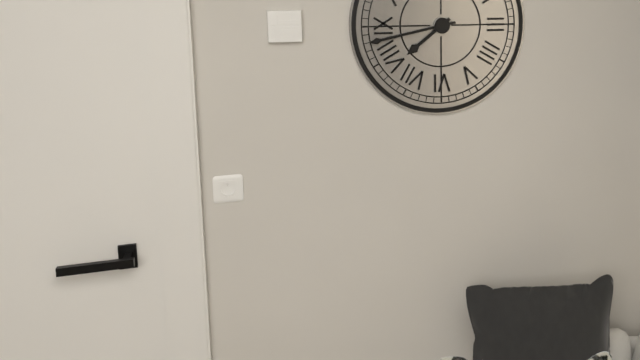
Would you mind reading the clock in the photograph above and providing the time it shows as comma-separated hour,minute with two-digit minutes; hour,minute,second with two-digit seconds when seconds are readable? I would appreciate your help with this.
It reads 7,43
